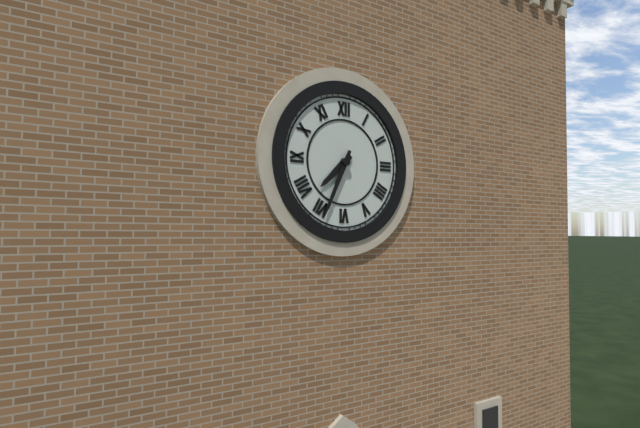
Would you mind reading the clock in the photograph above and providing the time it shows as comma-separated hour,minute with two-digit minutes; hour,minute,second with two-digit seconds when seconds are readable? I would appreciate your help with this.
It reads 7,34
